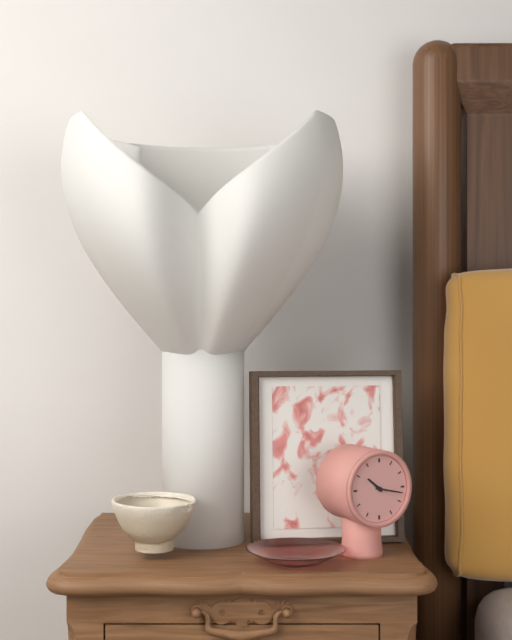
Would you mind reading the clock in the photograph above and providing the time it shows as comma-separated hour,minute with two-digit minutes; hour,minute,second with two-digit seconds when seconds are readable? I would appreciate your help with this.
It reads 10,17
